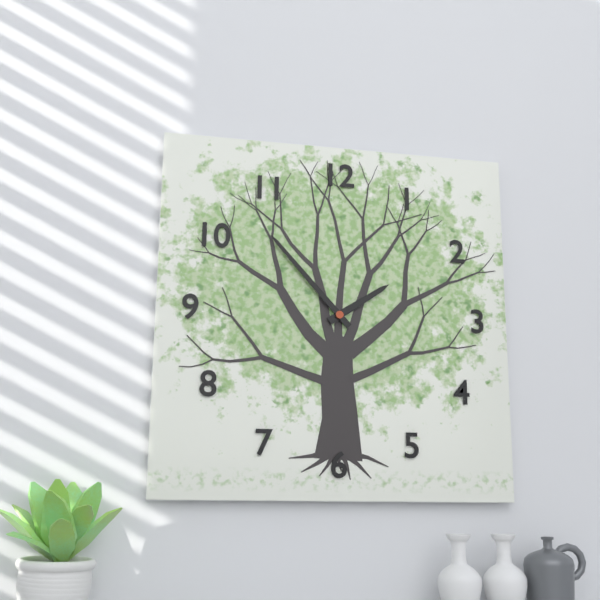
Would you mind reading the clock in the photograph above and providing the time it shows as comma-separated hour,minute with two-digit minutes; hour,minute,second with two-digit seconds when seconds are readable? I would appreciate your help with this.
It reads 1,53
